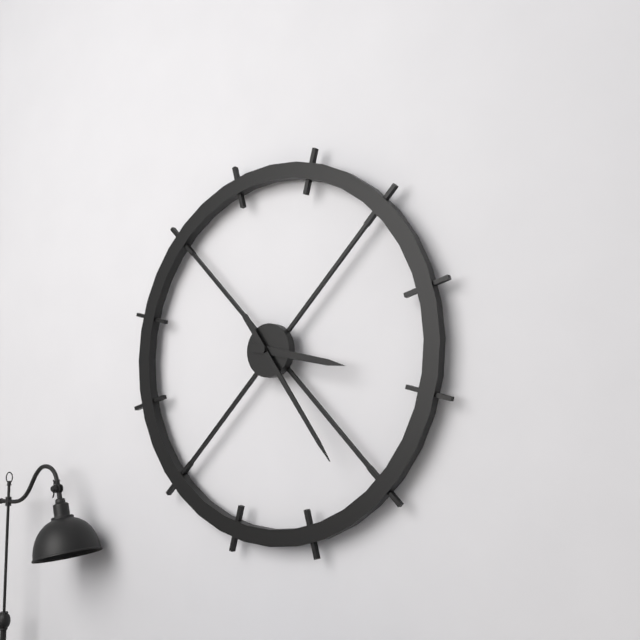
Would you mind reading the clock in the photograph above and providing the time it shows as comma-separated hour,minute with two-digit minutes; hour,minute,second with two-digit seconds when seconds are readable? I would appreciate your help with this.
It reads 3,24
